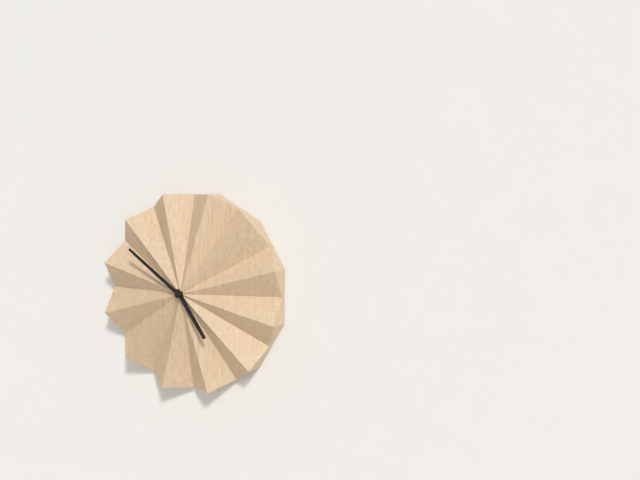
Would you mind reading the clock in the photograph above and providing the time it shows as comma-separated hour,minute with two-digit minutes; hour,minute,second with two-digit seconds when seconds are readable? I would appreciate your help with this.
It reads 4,51
